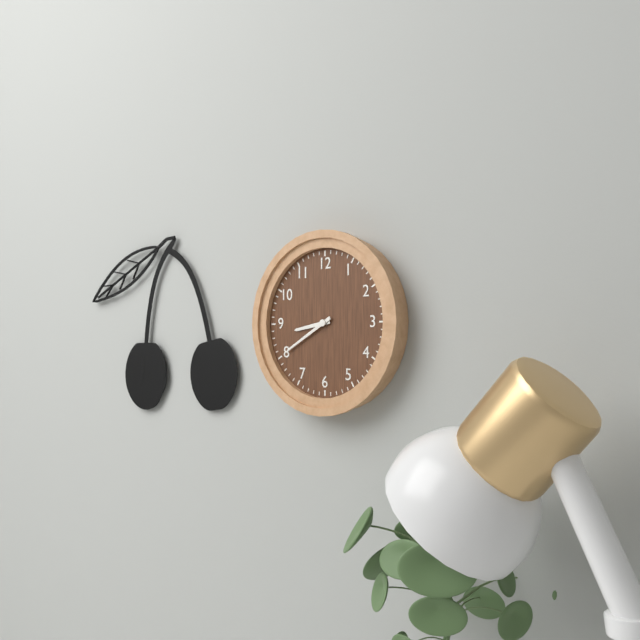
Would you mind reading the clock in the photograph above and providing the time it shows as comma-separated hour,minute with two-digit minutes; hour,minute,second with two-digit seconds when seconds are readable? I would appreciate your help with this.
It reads 8,40
